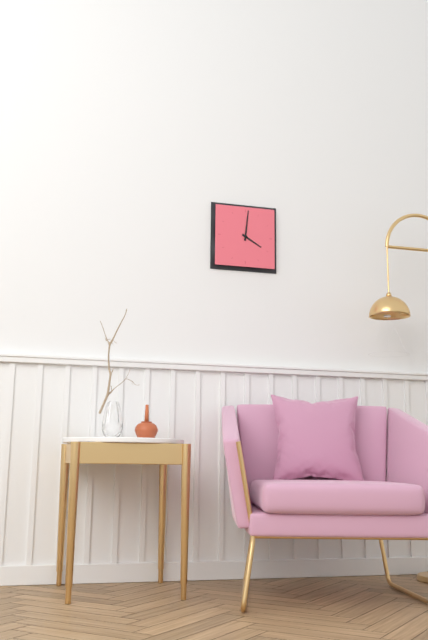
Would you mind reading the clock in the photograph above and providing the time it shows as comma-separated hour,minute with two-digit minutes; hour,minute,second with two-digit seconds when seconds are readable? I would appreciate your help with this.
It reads 4,01
